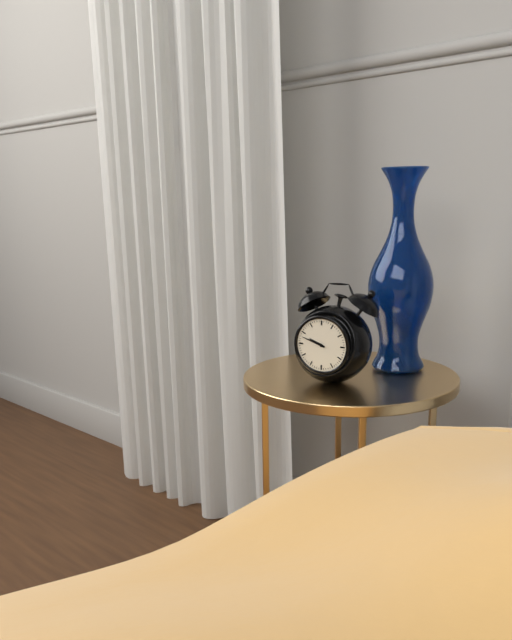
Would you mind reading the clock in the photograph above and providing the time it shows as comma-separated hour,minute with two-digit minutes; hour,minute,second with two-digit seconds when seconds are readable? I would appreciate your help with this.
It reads 9,48
